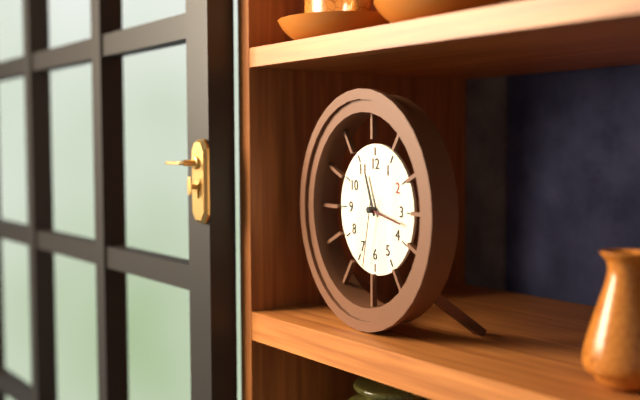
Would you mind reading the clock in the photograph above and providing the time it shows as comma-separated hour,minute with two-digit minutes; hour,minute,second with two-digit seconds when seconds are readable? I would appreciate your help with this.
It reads 11,17,32
